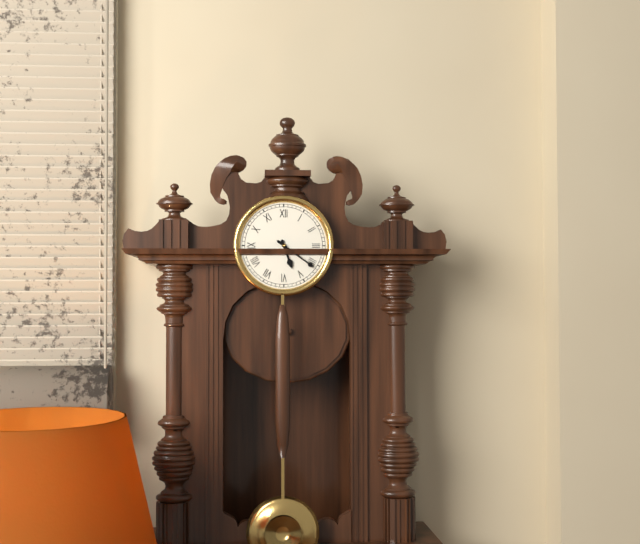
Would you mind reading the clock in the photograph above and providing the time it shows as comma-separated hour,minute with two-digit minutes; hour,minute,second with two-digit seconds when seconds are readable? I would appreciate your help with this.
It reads 5,21
